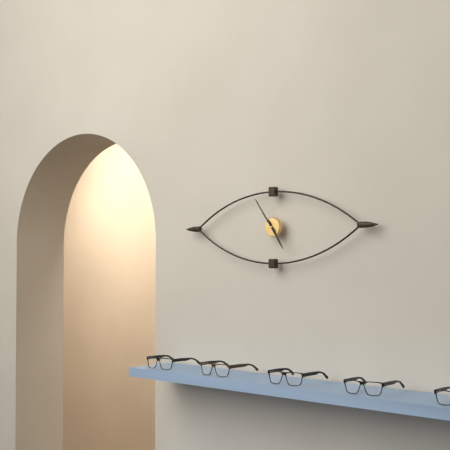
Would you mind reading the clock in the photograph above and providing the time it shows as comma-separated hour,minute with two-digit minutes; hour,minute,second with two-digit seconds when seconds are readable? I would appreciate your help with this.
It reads 4,54
